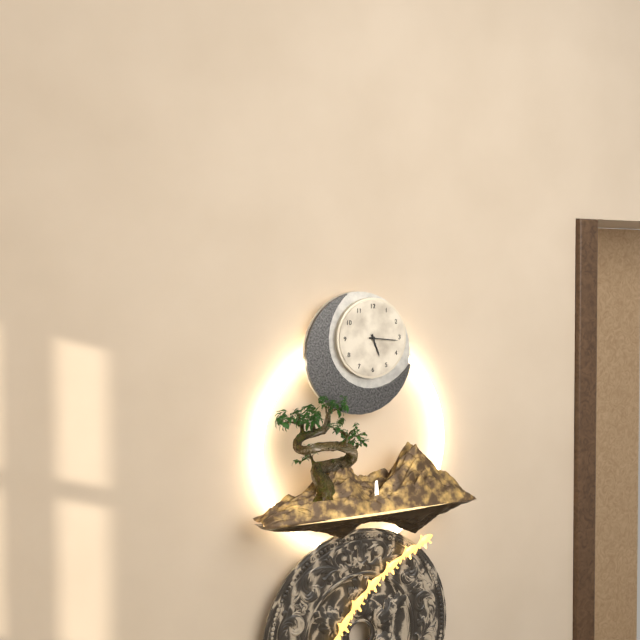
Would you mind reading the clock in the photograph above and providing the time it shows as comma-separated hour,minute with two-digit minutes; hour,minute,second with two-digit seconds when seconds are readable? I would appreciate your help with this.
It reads 5,16
